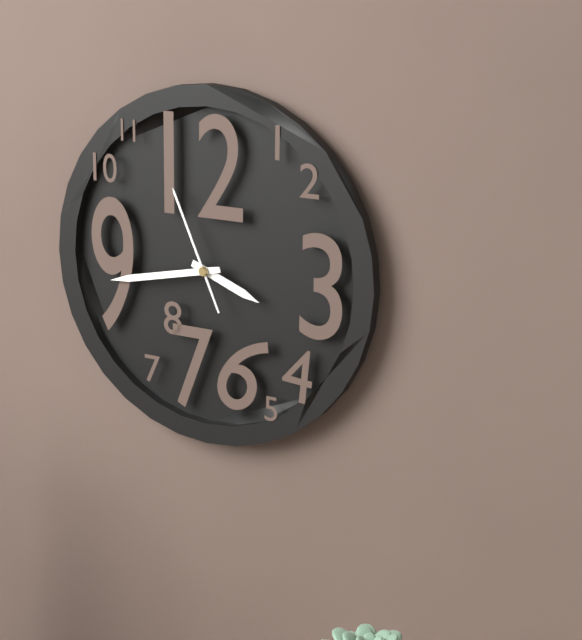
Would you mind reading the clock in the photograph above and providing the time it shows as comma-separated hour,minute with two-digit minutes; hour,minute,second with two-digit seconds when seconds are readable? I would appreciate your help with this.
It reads 3,43,56
